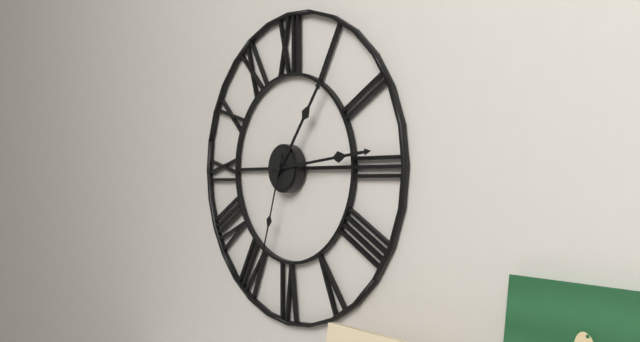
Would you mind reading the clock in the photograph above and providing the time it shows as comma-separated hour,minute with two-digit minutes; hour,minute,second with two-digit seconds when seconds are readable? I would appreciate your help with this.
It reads 1,14,33
